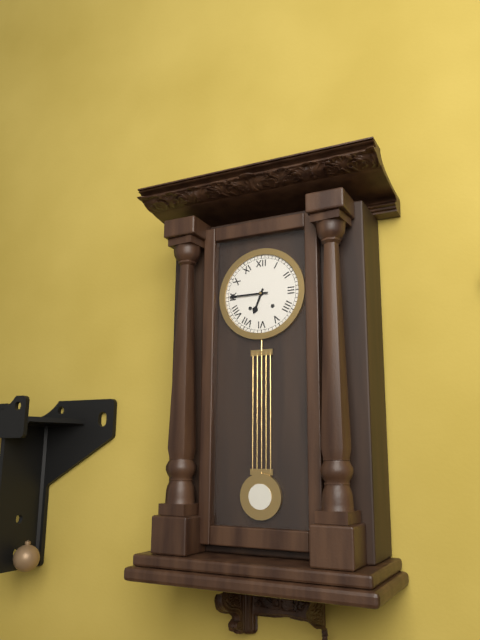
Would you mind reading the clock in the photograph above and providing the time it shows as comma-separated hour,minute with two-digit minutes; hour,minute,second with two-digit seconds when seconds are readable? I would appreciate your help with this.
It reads 6,45
